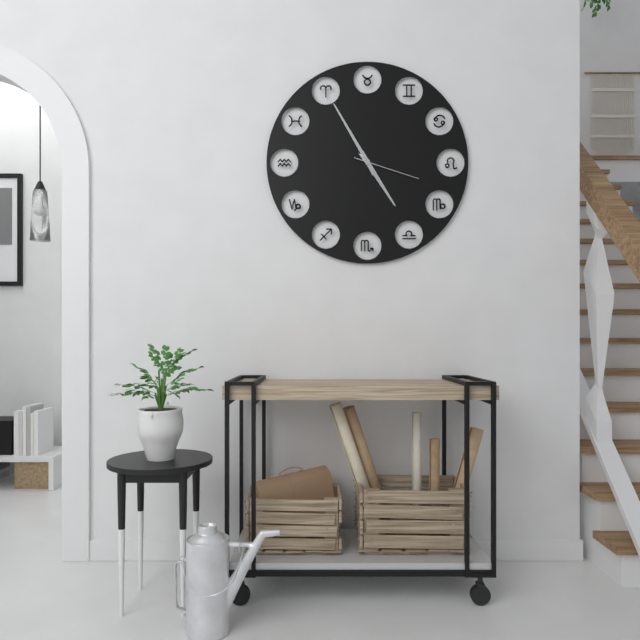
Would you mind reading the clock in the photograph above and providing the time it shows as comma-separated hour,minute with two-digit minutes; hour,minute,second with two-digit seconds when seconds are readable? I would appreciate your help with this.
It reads 4,55,18
